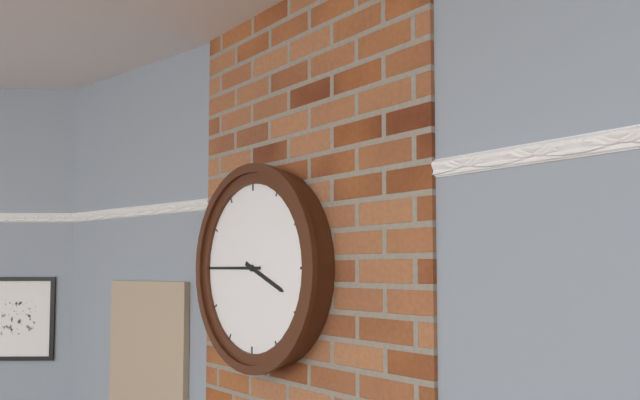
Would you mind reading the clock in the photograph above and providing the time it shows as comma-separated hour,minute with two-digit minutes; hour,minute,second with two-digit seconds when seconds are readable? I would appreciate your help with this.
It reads 3,45
